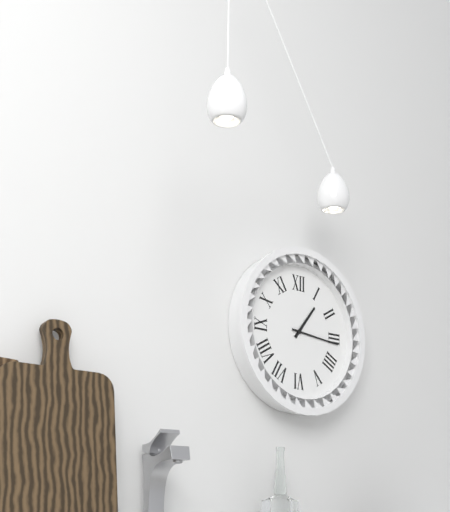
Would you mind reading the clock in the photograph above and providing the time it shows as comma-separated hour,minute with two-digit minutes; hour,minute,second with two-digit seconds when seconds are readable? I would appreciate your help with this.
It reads 1,16
